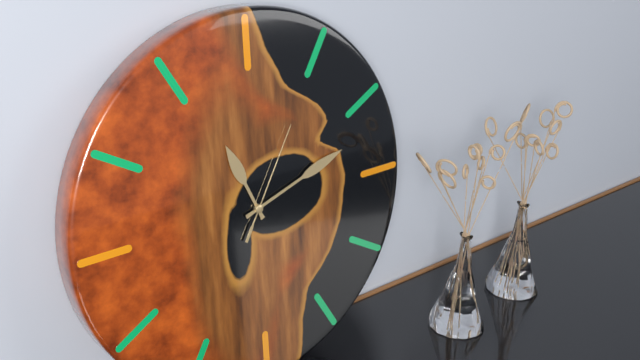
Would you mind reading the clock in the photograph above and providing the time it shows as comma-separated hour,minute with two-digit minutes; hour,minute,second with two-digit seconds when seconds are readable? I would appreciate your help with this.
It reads 11,12,05
